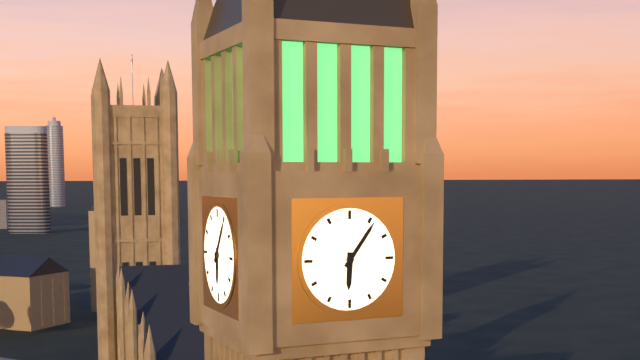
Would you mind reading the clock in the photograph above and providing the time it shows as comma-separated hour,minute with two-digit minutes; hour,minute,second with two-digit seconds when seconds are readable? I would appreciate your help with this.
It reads 6,06
